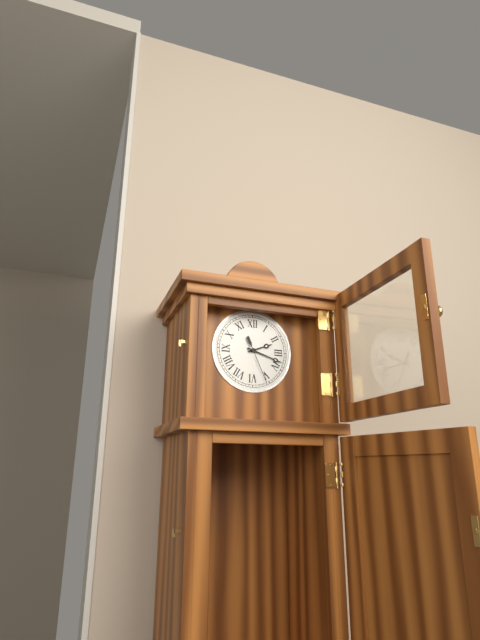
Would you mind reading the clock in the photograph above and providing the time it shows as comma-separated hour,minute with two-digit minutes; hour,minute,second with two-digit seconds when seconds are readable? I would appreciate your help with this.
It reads 2,18
